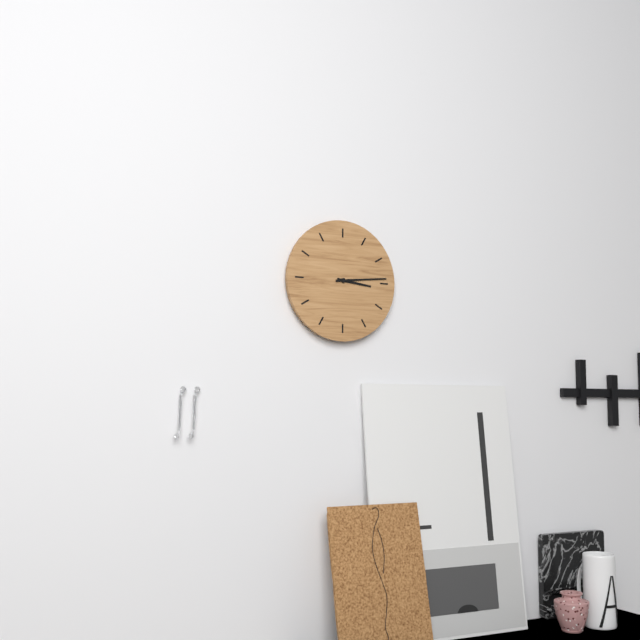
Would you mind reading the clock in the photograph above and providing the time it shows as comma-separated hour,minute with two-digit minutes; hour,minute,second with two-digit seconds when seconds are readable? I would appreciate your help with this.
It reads 3,14
